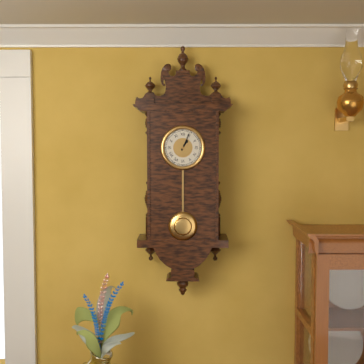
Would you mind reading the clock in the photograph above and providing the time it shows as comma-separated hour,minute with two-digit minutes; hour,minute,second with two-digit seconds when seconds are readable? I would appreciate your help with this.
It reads 1,04
